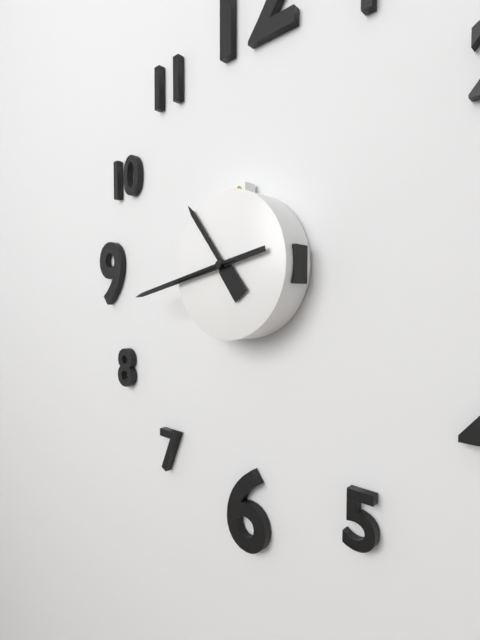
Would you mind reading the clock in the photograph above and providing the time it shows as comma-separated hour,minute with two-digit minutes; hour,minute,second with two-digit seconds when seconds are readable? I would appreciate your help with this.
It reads 10,43,43
